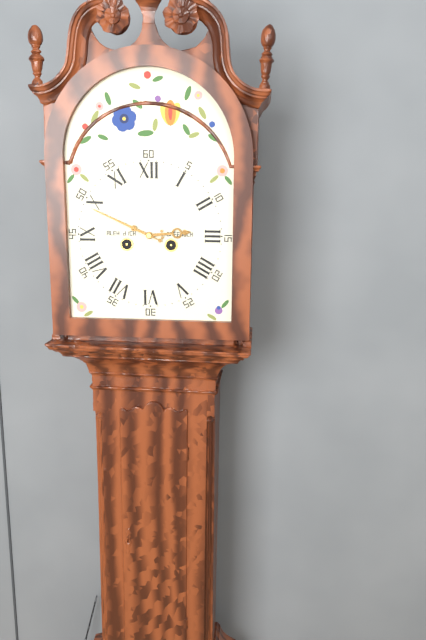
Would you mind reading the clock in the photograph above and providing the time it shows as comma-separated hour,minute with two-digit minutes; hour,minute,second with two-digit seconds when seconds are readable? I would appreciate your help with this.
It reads 2,49
